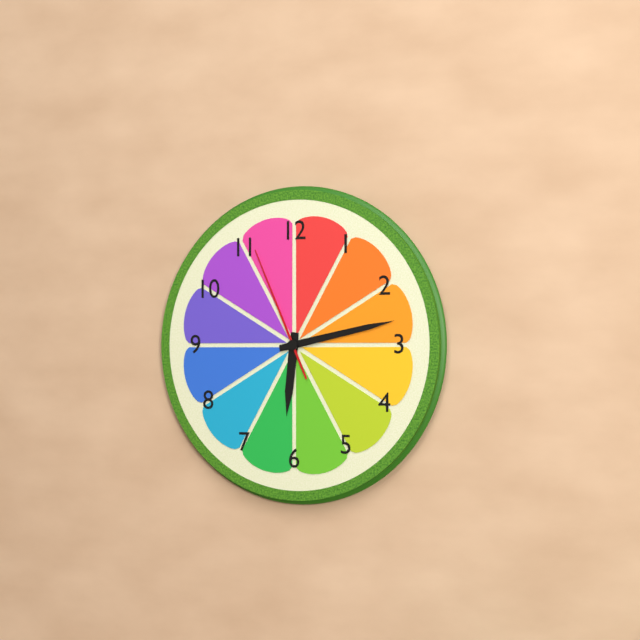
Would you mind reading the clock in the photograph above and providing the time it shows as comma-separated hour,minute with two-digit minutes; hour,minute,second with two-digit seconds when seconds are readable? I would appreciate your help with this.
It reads 6,13,56
